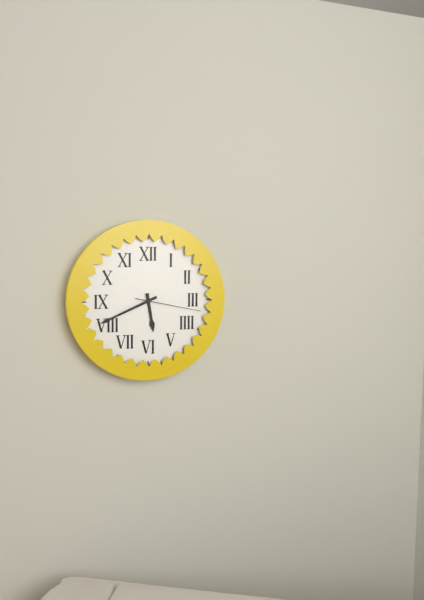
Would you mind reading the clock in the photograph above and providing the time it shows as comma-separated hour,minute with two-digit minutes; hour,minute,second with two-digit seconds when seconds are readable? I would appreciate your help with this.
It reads 5,41,17
